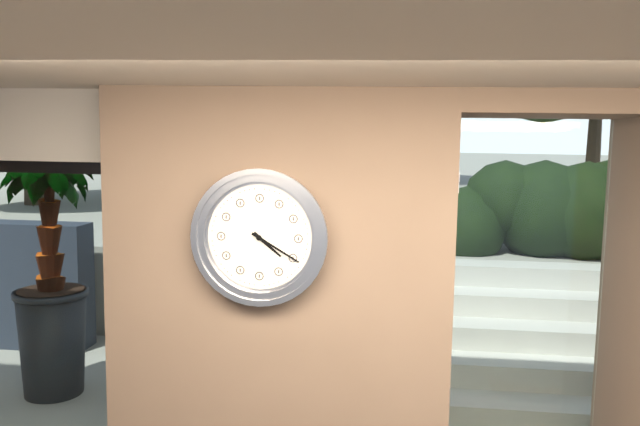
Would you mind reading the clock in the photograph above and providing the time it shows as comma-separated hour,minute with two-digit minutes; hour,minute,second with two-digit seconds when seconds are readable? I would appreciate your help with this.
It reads 4,20
